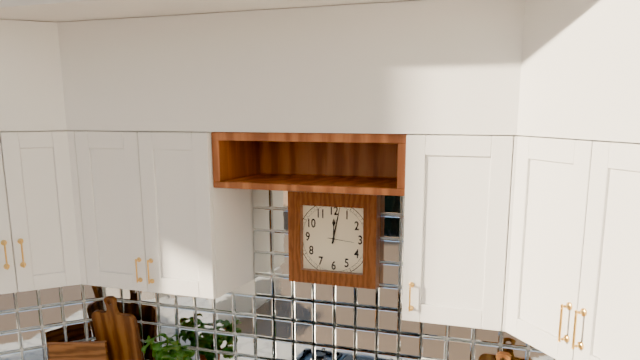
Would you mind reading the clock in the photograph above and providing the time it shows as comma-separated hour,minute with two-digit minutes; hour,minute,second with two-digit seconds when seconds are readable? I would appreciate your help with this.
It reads 12,02
